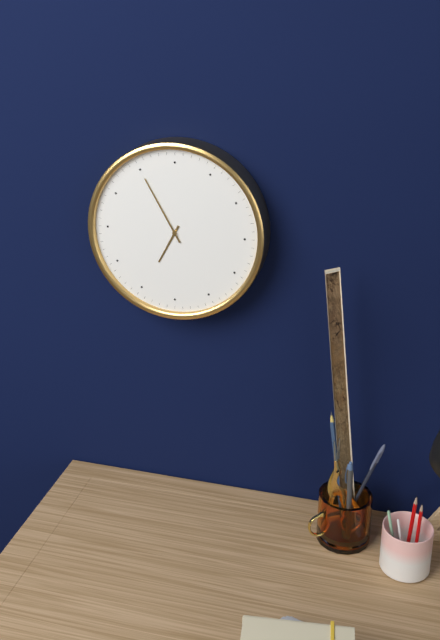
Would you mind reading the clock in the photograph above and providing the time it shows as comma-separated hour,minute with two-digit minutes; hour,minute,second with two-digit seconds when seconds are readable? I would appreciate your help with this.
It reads 6,55
